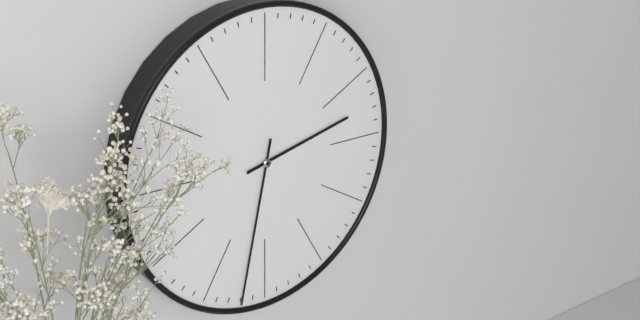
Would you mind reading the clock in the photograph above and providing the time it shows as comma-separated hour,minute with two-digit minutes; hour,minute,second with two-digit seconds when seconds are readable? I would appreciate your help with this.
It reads 2,32
